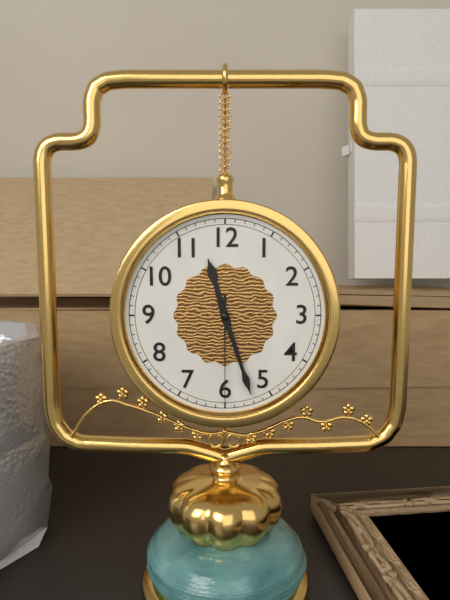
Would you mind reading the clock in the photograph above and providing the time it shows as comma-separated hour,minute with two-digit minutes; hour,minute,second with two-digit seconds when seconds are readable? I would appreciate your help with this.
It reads 11,27,30
